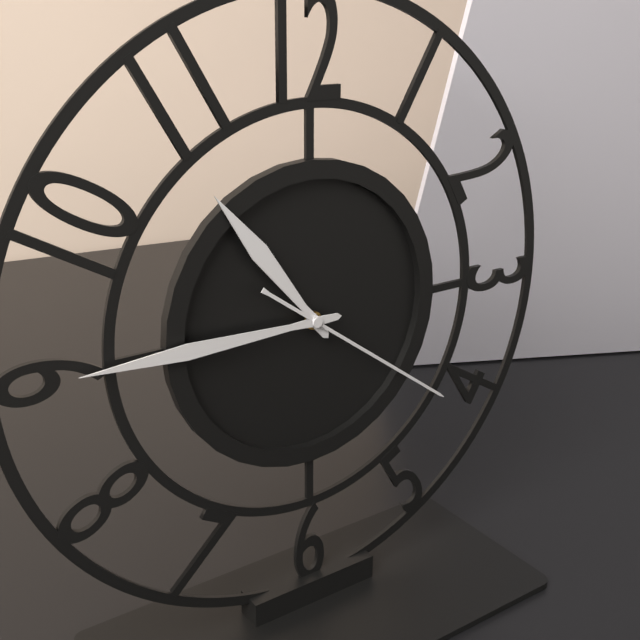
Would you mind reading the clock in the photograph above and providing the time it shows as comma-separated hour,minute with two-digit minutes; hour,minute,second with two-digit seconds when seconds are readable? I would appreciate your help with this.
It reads 10,45,21
